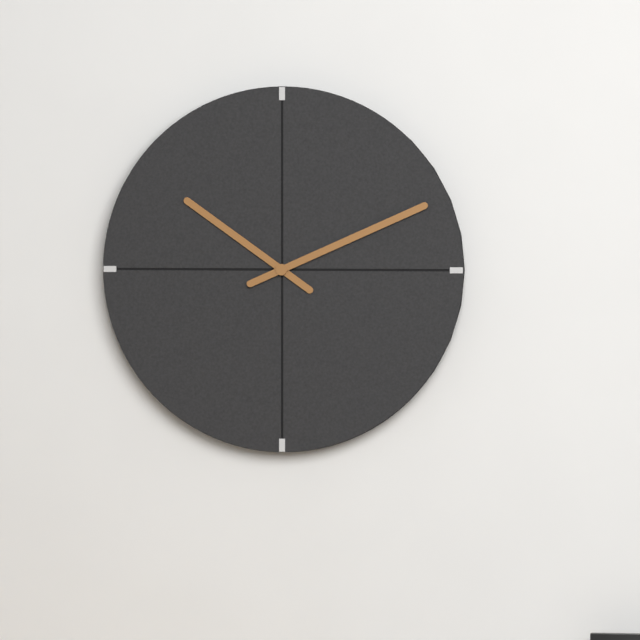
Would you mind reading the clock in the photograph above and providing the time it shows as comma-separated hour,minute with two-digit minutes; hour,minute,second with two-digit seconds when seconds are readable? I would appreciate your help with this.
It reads 10,11
